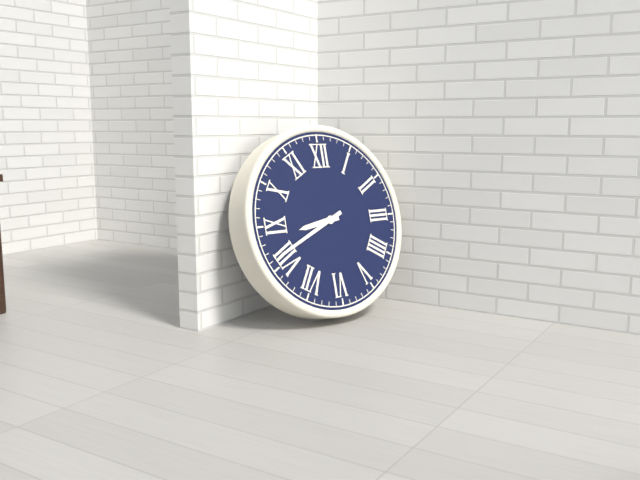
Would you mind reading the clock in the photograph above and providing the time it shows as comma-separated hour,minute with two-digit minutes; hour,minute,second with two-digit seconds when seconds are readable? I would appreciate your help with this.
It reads 8,41
